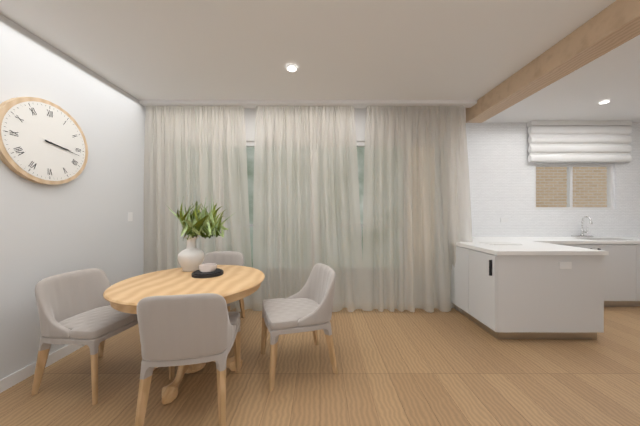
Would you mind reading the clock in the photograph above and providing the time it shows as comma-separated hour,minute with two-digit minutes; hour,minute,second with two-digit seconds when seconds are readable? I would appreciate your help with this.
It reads 3,17
